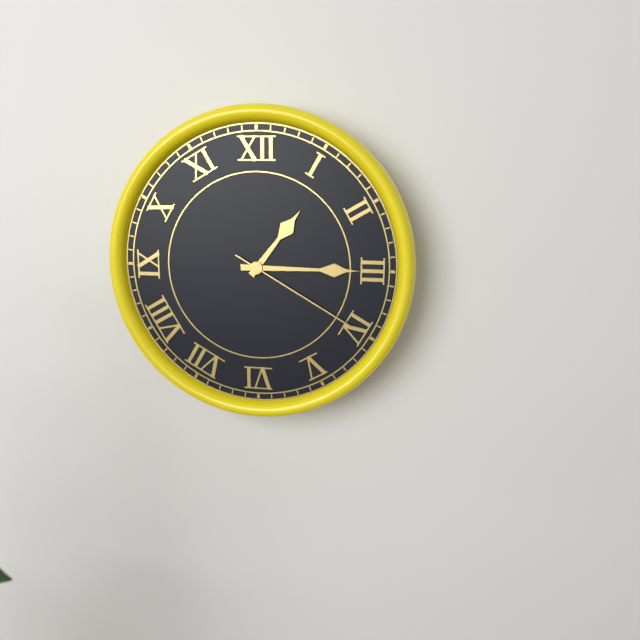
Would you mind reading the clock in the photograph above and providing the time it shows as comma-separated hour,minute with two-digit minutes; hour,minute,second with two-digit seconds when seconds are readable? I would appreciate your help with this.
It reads 1,15,20
